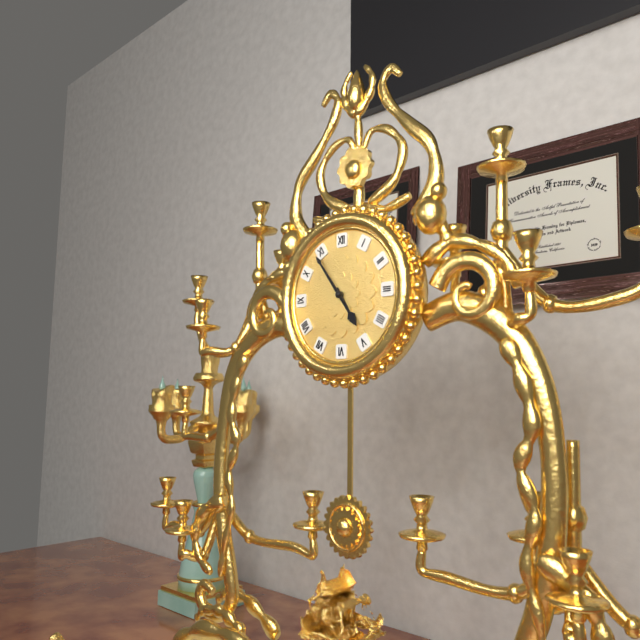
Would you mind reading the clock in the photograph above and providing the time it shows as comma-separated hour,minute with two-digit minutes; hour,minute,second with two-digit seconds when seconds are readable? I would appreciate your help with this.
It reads 4,54
